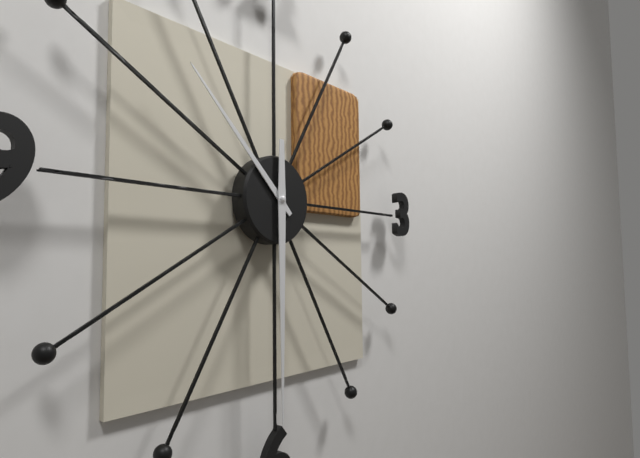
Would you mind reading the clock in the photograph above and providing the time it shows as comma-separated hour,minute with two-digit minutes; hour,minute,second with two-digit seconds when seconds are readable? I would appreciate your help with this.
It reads 10,30
